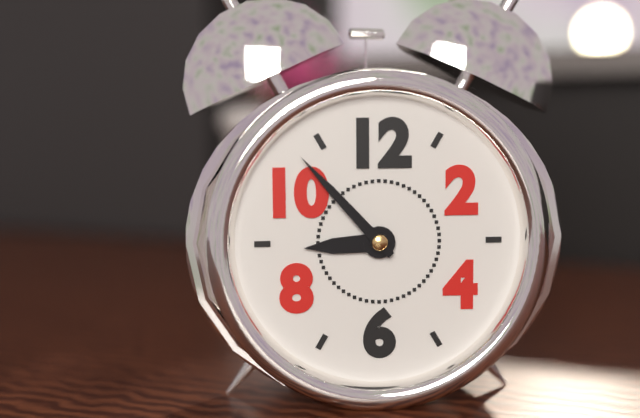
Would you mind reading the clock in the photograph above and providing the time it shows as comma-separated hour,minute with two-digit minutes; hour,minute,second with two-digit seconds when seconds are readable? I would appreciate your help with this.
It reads 8,53
